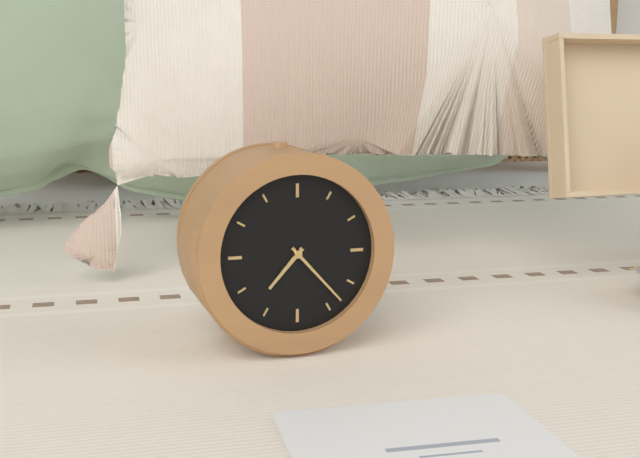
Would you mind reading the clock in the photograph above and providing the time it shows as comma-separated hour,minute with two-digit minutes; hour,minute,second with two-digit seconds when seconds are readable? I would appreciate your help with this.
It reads 7,23
